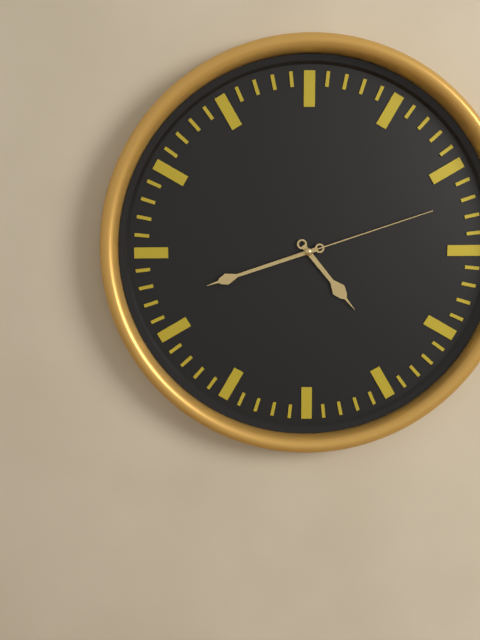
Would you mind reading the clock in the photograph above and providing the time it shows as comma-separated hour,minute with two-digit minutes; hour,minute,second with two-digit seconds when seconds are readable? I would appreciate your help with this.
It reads 4,42,12
